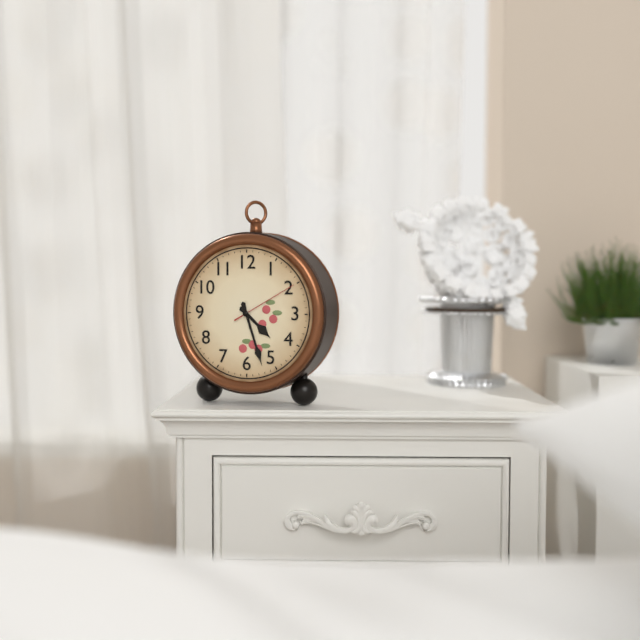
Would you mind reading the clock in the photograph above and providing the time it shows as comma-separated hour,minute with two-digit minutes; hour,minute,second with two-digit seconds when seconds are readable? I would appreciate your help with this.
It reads 4,27,10
